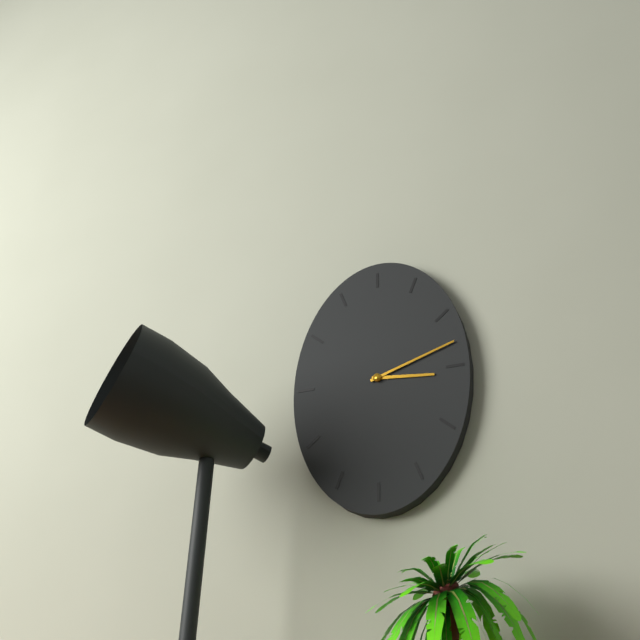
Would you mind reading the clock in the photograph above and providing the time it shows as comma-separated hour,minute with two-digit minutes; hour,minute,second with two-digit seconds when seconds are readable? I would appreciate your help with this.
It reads 3,12
